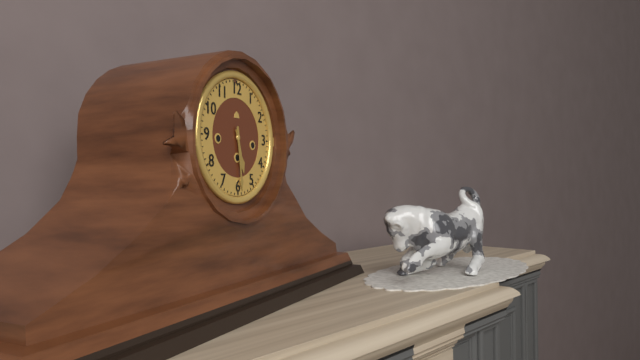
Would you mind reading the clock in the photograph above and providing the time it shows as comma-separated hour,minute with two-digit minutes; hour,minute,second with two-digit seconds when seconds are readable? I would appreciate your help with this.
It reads 5,29
